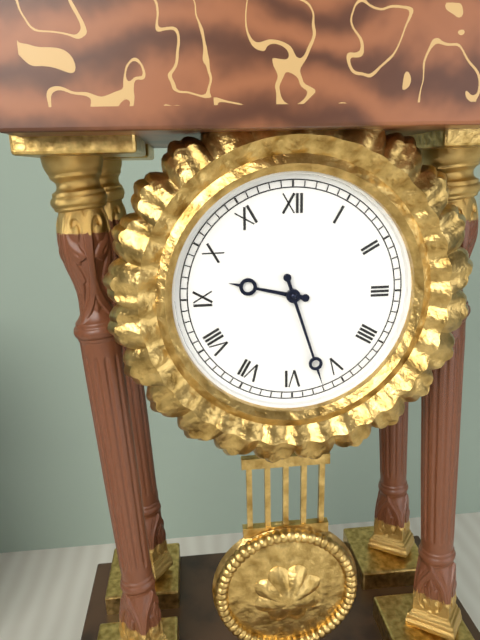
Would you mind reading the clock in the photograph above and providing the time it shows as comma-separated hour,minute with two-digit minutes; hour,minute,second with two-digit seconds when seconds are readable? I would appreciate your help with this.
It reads 9,27
